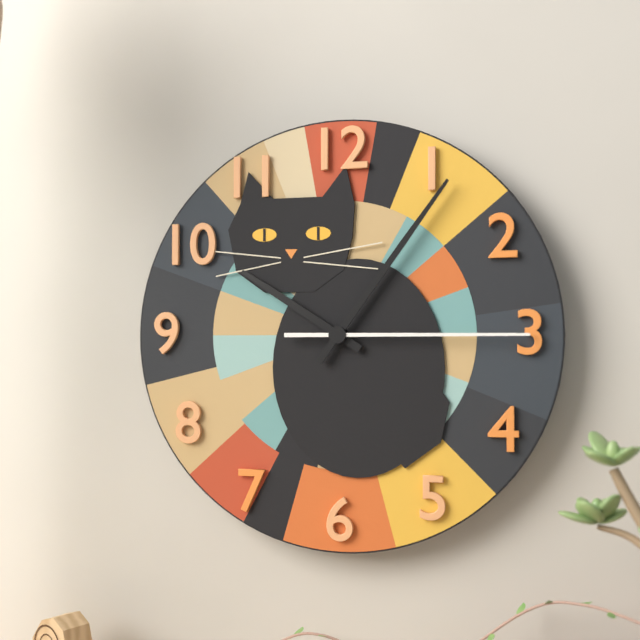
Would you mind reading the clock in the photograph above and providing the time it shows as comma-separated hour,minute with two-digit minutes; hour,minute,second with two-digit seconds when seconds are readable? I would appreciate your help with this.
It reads 10,06,15
